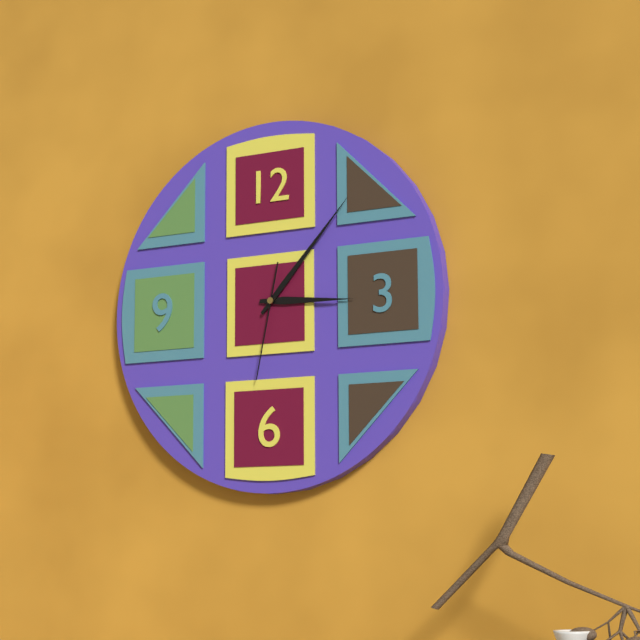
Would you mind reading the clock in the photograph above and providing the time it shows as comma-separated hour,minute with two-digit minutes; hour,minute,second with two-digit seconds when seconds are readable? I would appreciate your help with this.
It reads 3,07,32
